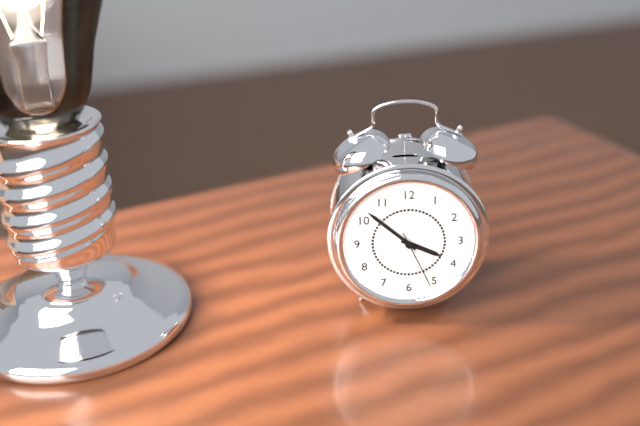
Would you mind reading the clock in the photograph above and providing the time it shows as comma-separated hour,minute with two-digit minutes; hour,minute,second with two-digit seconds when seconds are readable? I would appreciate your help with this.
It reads 3,52,26
